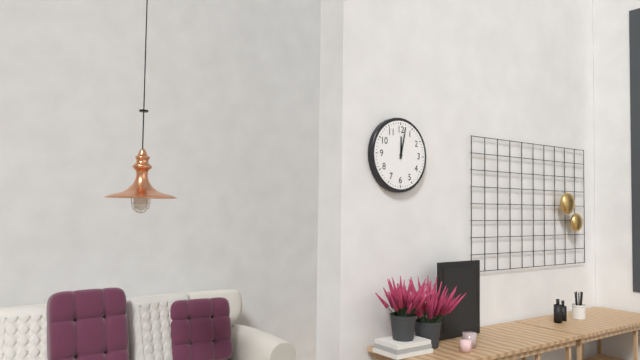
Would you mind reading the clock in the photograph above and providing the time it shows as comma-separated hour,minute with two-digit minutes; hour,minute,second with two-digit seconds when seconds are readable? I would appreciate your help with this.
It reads 12,02
